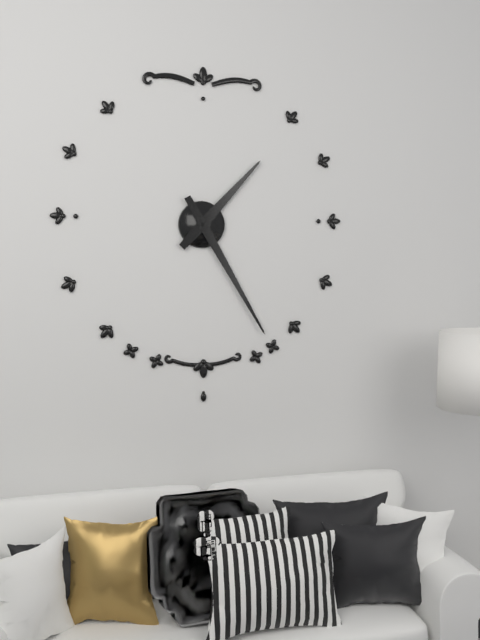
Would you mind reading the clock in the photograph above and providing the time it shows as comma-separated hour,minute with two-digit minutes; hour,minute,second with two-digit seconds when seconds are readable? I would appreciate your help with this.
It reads 1,25
